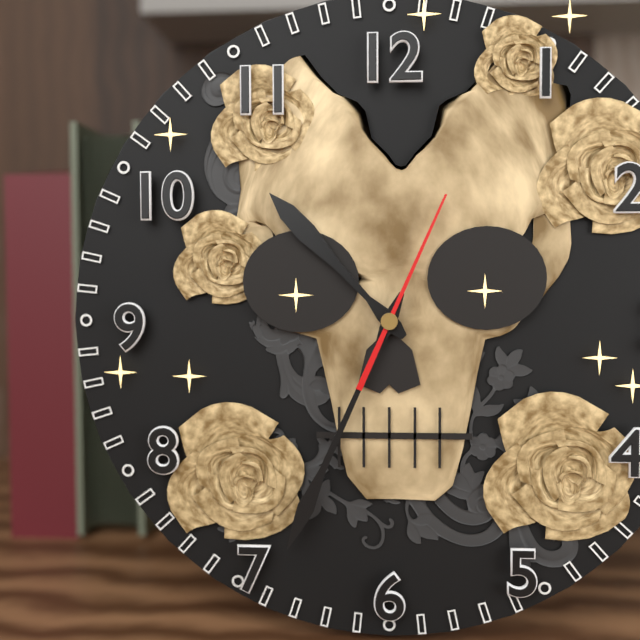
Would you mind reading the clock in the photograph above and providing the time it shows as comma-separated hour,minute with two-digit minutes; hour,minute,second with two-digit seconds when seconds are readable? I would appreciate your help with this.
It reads 10,34,04
